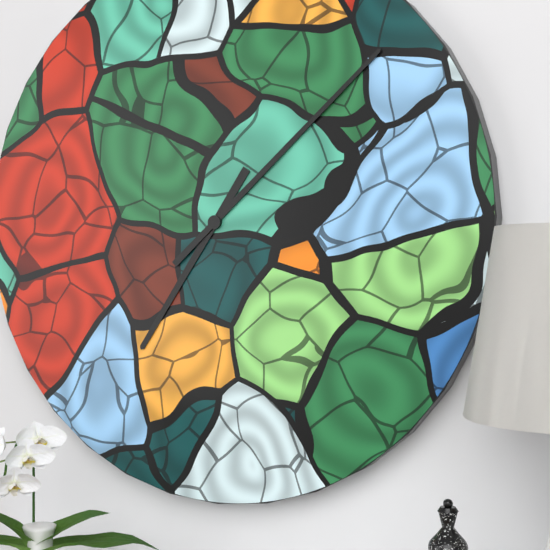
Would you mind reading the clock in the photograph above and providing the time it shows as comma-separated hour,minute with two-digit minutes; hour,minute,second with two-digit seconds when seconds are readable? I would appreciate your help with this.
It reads 7,08
